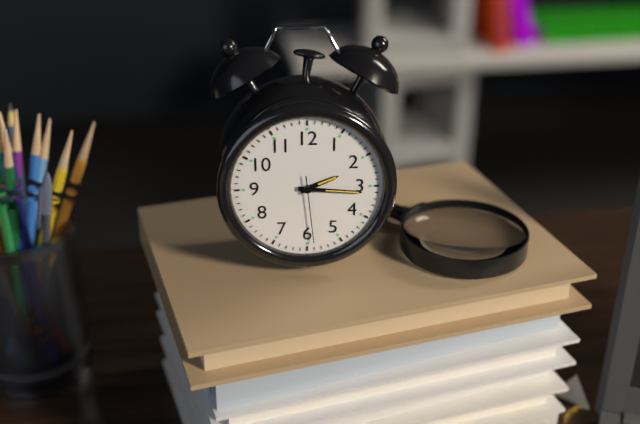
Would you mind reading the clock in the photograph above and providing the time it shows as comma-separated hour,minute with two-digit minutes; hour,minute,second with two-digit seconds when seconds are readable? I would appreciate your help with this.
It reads 2,16,29
